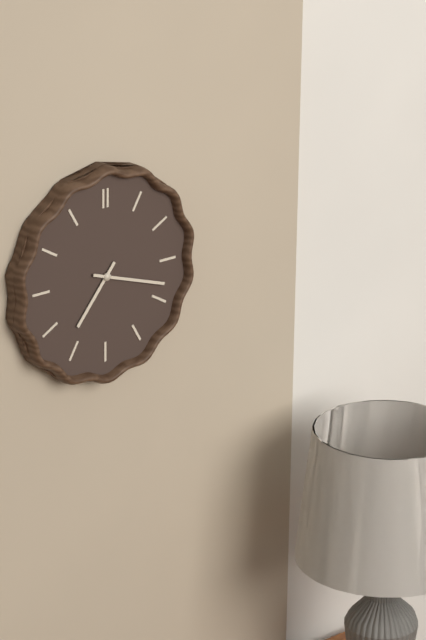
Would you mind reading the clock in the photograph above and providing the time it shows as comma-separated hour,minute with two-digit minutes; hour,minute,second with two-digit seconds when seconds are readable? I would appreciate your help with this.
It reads 7,18
